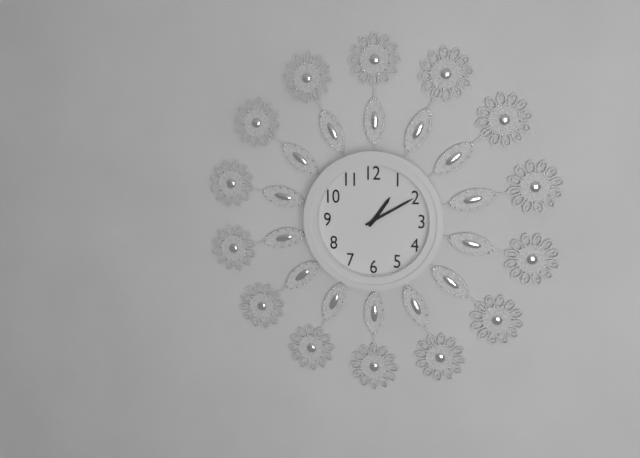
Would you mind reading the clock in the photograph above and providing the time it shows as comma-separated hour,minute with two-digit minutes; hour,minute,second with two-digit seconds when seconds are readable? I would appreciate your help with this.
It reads 1,10
